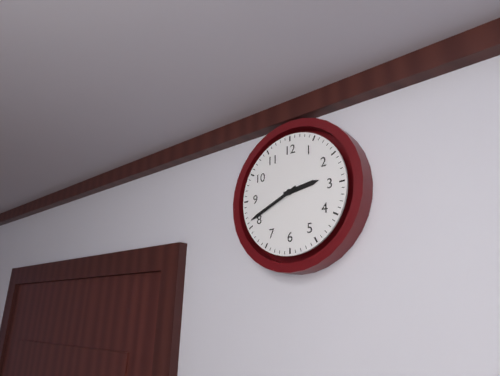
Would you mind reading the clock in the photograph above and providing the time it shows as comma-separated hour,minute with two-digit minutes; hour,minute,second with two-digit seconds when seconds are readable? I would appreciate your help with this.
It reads 2,41
